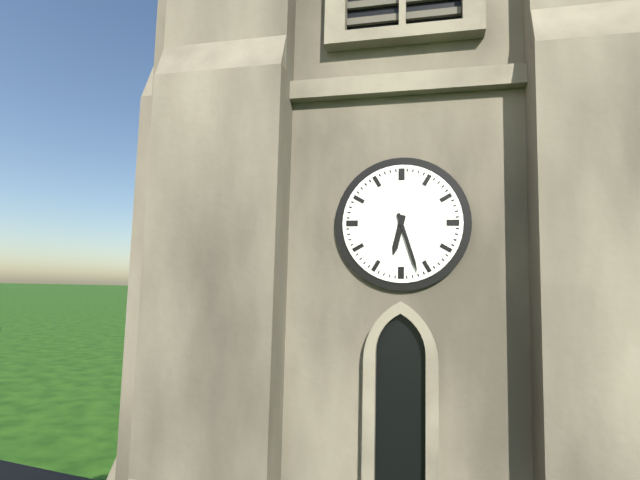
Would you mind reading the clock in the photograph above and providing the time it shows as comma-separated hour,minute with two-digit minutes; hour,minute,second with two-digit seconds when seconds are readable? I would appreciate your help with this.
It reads 6,27
